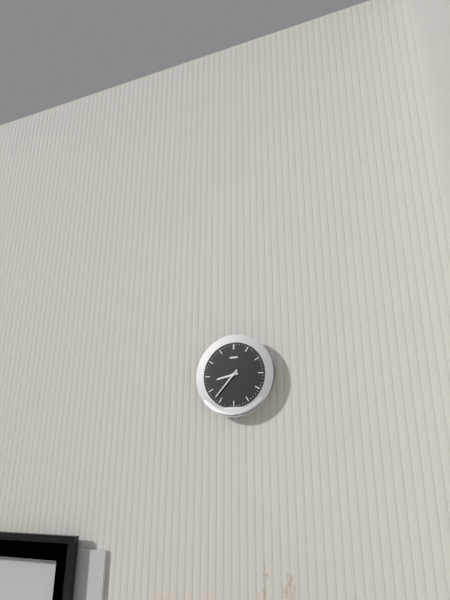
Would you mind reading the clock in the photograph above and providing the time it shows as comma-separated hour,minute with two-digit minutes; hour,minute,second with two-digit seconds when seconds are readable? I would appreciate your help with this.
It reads 8,37
